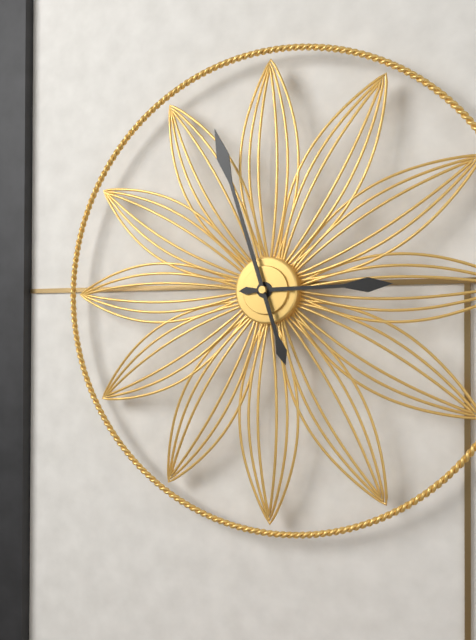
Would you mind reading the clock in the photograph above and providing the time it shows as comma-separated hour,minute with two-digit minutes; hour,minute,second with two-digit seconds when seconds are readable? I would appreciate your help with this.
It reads 2,57
